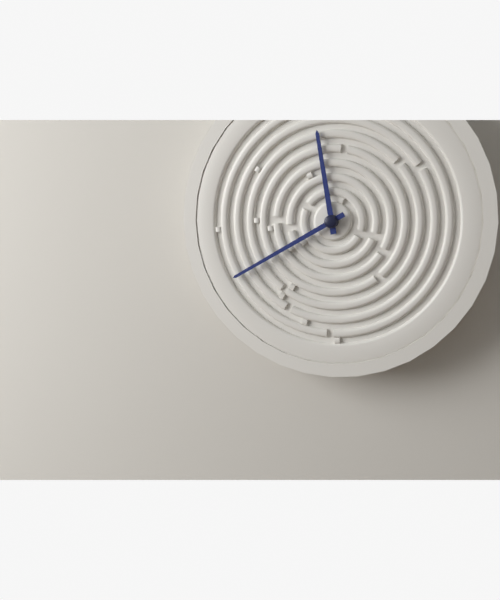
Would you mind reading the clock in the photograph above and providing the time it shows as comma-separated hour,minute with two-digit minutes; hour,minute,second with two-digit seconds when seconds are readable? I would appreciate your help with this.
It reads 11,40
